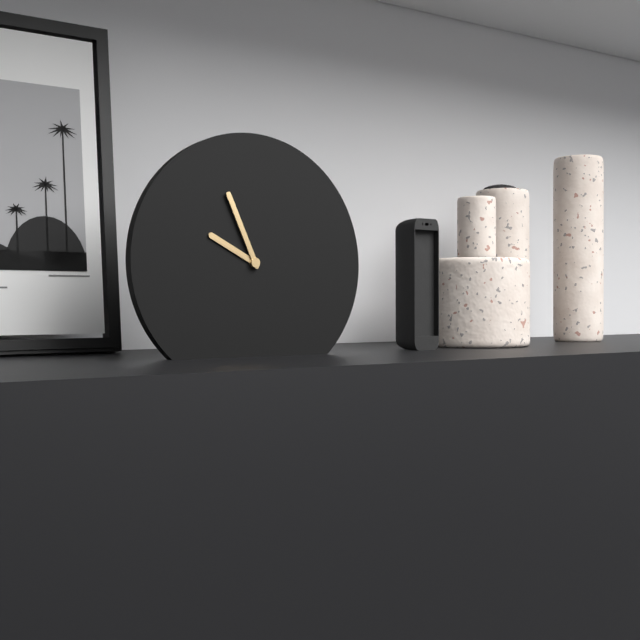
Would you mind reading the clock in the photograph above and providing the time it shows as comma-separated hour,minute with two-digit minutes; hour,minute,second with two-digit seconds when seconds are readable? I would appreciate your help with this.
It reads 9,56
